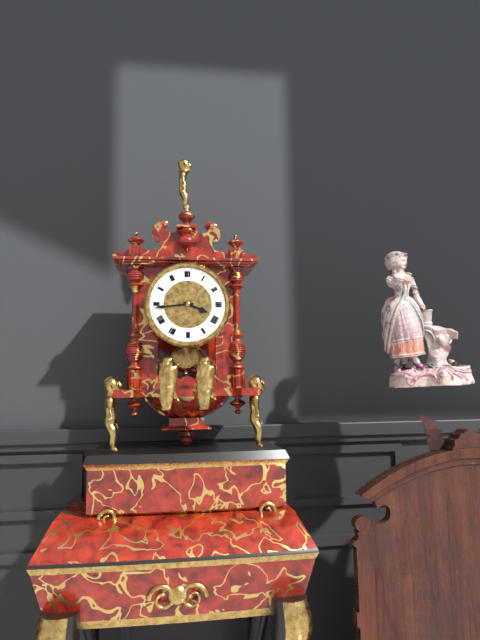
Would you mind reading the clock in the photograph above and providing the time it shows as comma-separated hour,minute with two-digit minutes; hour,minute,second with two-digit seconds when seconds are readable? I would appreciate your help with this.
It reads 3,44
